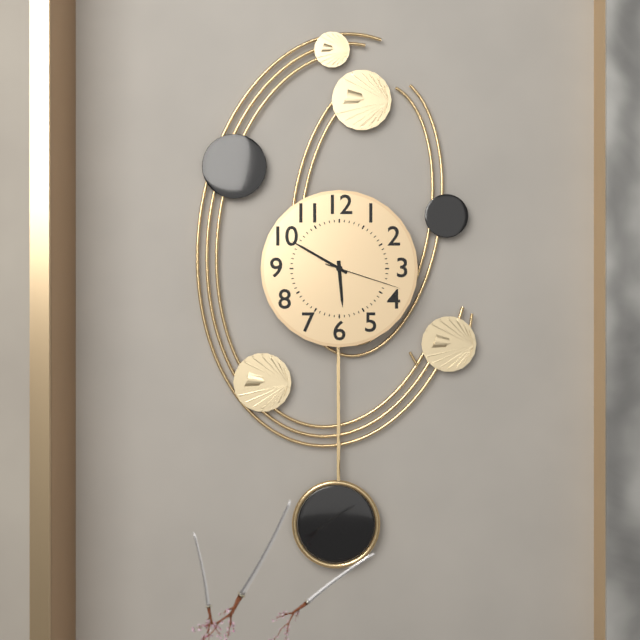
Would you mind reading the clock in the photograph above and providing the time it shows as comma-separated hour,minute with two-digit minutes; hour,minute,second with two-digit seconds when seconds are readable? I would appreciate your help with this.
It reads 5,50,18
